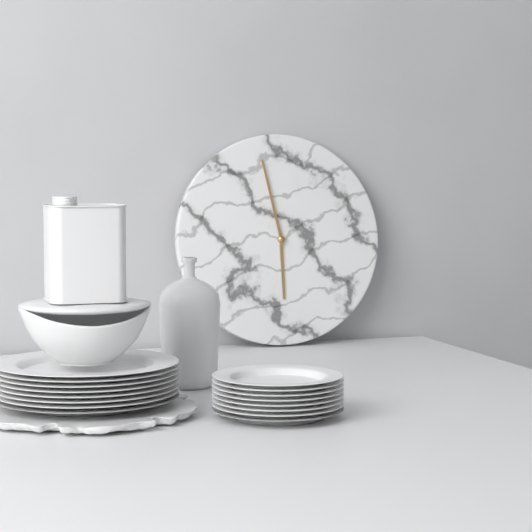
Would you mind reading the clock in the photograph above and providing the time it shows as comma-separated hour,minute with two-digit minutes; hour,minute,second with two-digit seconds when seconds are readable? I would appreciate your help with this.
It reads 5,58
